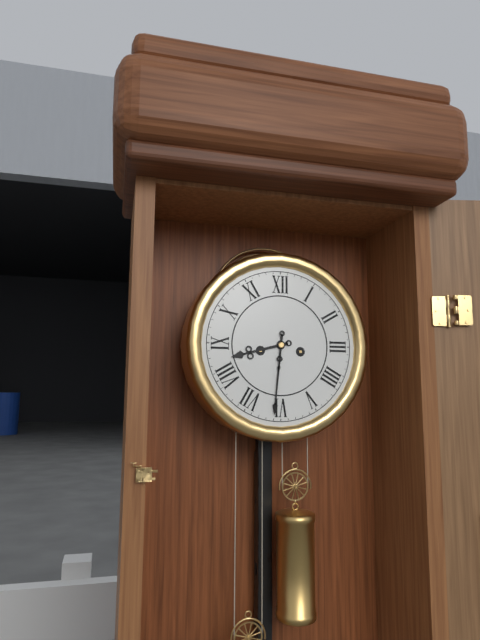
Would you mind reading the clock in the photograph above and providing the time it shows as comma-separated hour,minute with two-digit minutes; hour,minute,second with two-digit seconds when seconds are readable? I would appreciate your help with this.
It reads 8,31
